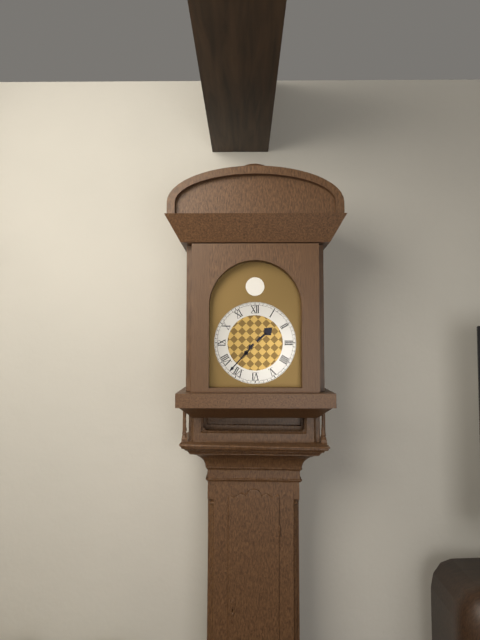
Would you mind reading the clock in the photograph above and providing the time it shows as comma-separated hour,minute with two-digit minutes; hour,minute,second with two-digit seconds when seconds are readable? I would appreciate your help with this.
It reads 1,37
